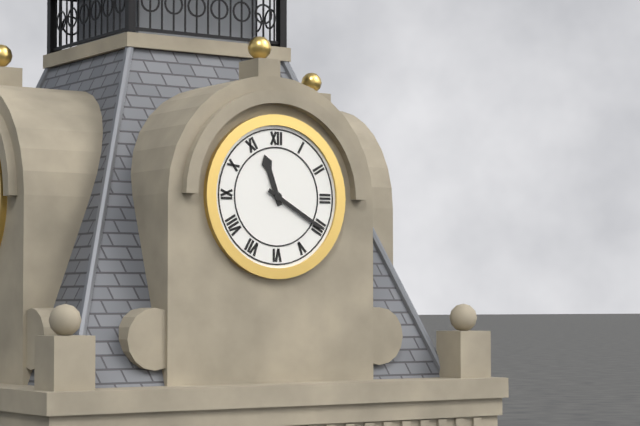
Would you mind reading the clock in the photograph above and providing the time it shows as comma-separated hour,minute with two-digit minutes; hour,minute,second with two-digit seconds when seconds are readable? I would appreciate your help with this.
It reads 11,20
